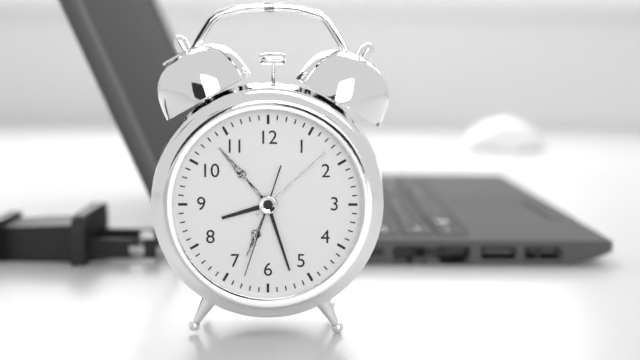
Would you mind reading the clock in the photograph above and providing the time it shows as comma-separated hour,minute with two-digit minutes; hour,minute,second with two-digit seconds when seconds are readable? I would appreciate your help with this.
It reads 8,27,33
